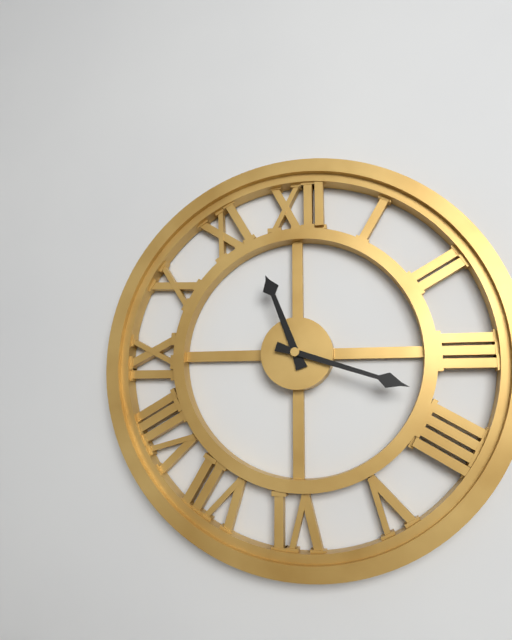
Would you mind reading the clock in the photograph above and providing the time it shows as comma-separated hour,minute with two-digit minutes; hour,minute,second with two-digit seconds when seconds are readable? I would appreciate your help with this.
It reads 11,18
